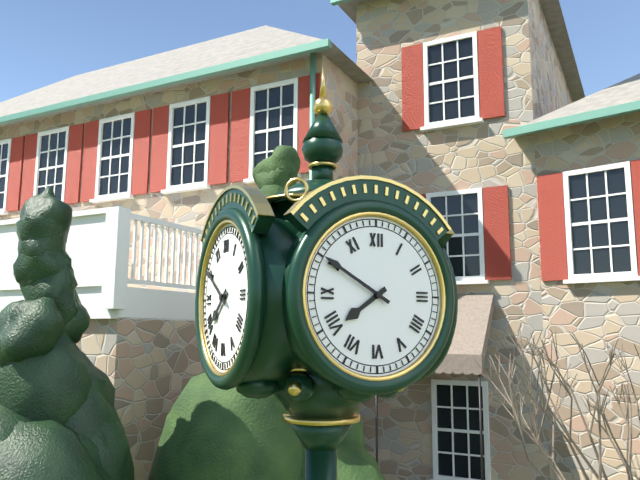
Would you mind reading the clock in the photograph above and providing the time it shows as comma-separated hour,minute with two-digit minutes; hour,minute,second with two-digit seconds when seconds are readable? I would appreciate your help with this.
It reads 7,50
